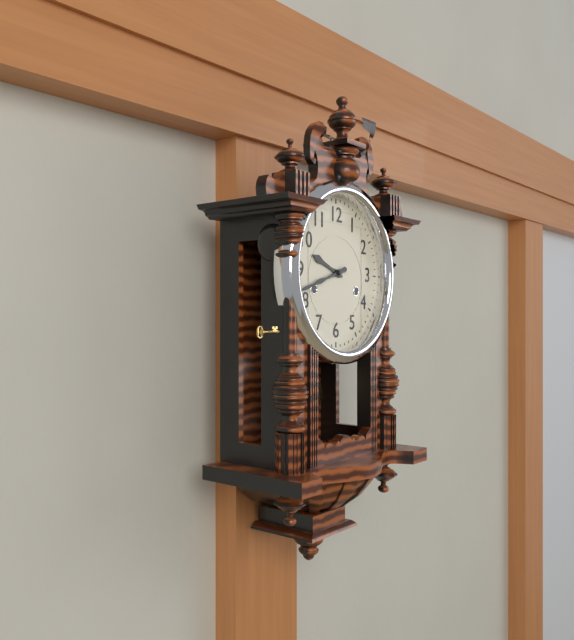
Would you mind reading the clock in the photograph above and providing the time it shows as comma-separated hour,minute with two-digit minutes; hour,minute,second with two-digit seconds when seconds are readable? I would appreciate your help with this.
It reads 9,42
